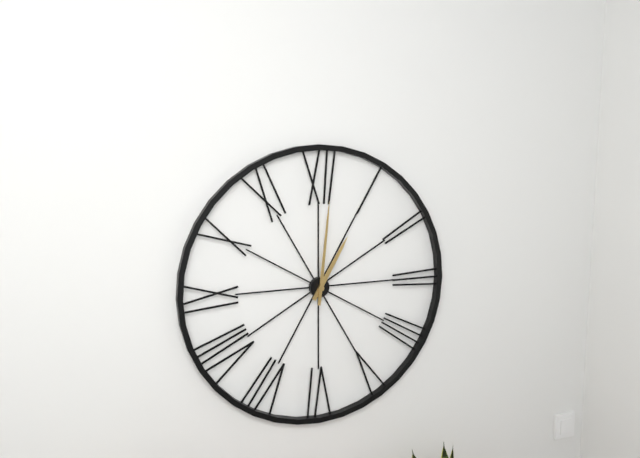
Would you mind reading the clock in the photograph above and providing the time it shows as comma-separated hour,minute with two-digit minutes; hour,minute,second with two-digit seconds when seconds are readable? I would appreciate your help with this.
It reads 1,01
